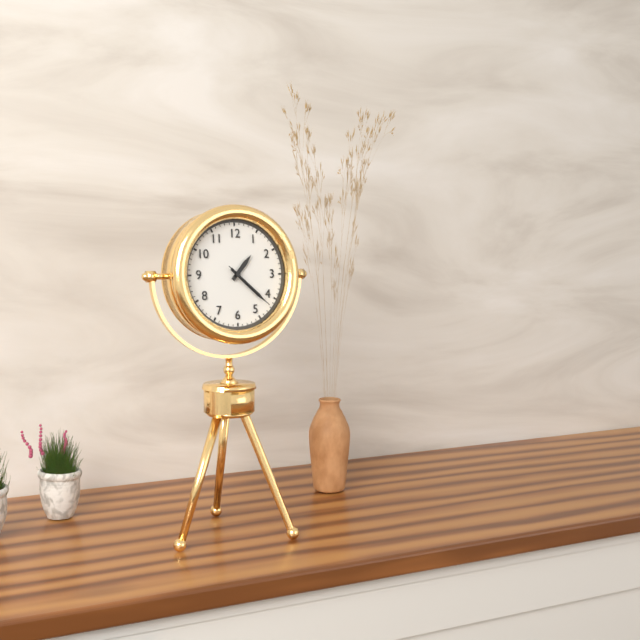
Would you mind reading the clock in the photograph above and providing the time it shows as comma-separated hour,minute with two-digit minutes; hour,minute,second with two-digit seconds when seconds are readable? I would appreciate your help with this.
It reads 1,22,22
